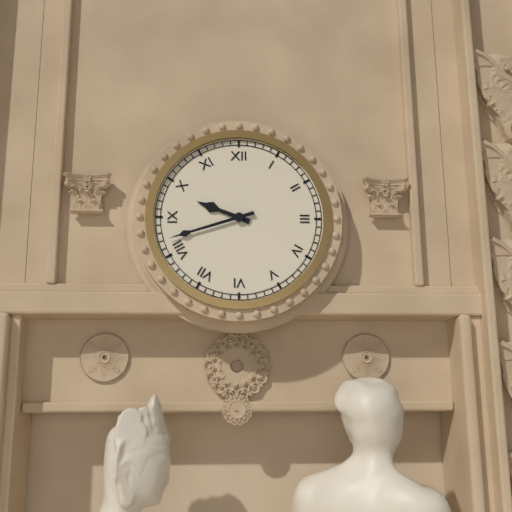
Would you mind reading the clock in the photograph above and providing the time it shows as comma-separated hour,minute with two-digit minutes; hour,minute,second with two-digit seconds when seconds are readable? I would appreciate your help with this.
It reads 9,42
